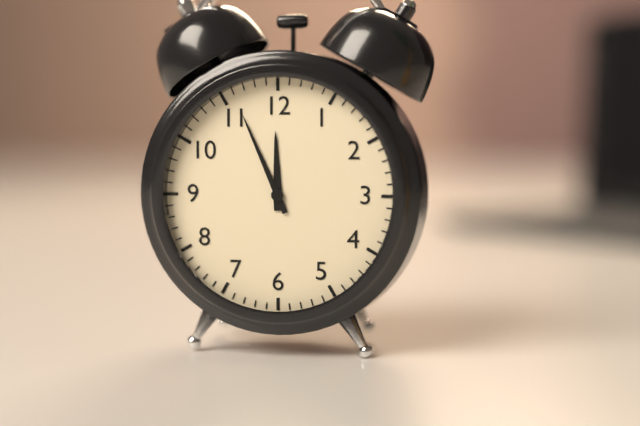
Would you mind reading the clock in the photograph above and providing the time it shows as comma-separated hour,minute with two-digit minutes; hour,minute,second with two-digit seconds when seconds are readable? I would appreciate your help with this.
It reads 11,56
